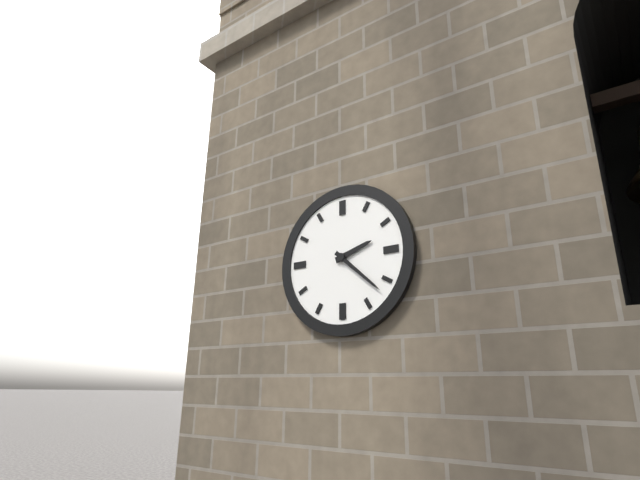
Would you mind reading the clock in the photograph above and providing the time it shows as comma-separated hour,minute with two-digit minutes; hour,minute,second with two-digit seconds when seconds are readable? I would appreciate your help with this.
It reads 2,22
